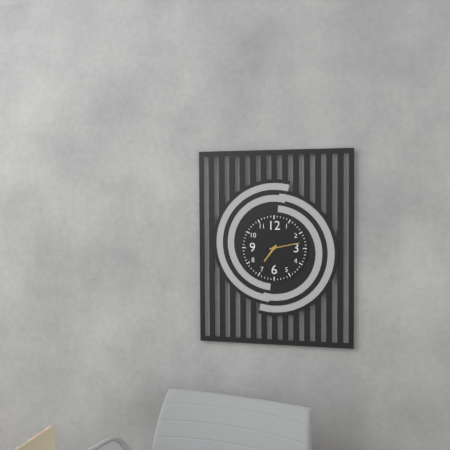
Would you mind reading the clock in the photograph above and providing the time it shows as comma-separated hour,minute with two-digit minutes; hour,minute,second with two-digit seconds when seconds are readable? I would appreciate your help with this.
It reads 7,13
